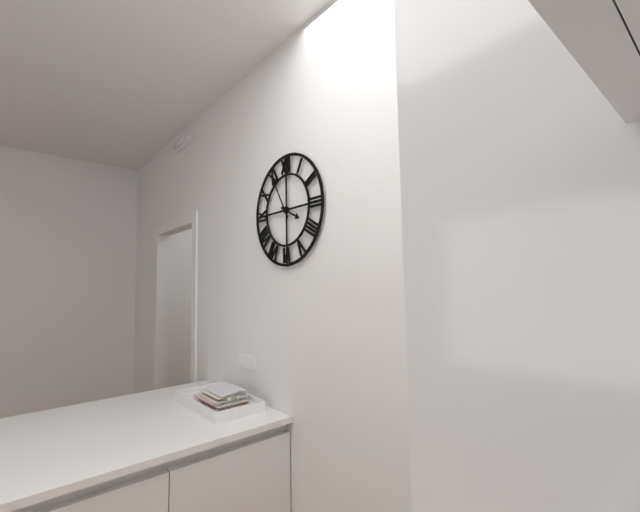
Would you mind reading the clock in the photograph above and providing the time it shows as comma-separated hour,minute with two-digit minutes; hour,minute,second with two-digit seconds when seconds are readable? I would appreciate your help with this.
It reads 3,55
